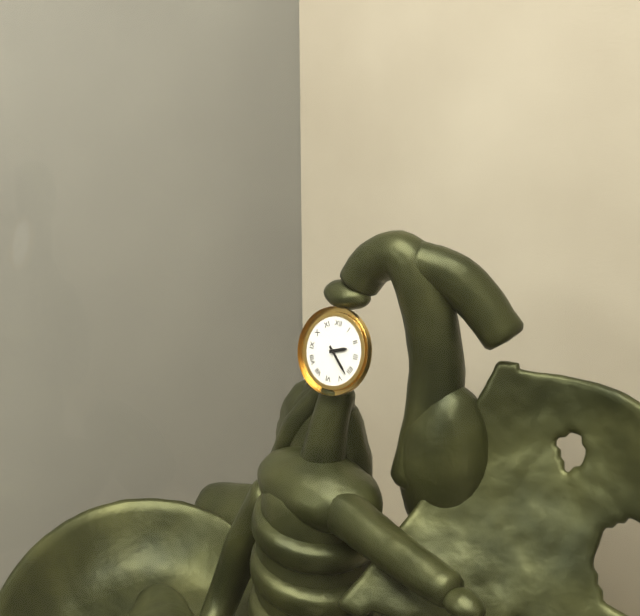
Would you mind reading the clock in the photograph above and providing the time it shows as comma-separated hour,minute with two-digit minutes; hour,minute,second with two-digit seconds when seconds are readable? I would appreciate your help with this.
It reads 2,22
